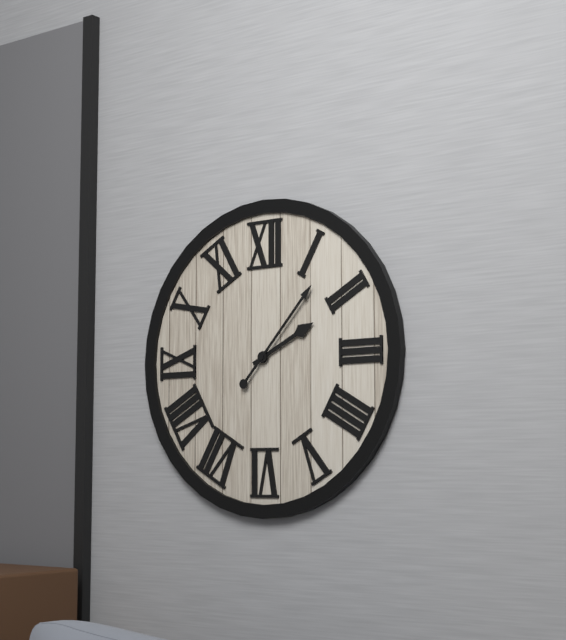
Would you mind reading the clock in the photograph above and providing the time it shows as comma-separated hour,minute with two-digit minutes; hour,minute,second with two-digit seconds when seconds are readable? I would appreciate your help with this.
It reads 2,07
